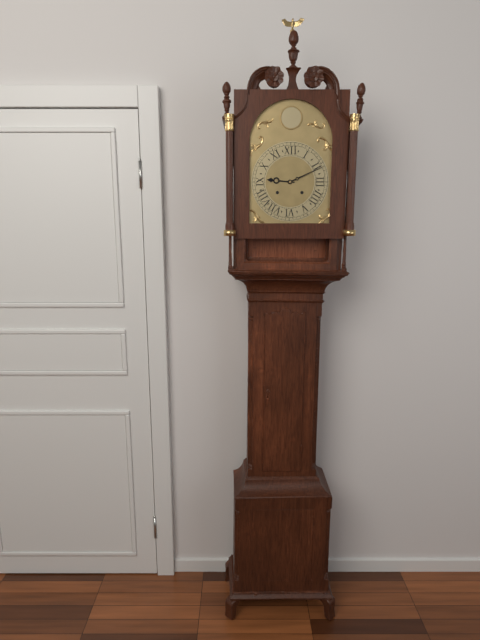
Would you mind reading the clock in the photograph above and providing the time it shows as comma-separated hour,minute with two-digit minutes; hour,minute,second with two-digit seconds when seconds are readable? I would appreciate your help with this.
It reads 9,11
